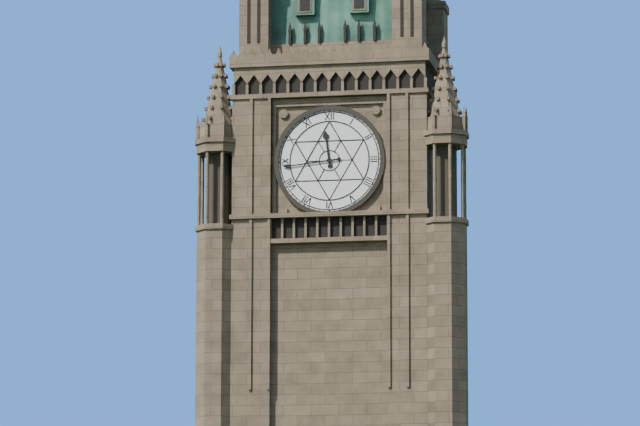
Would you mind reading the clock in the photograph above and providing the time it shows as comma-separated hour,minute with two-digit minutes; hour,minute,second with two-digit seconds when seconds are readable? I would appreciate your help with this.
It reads 11,44
